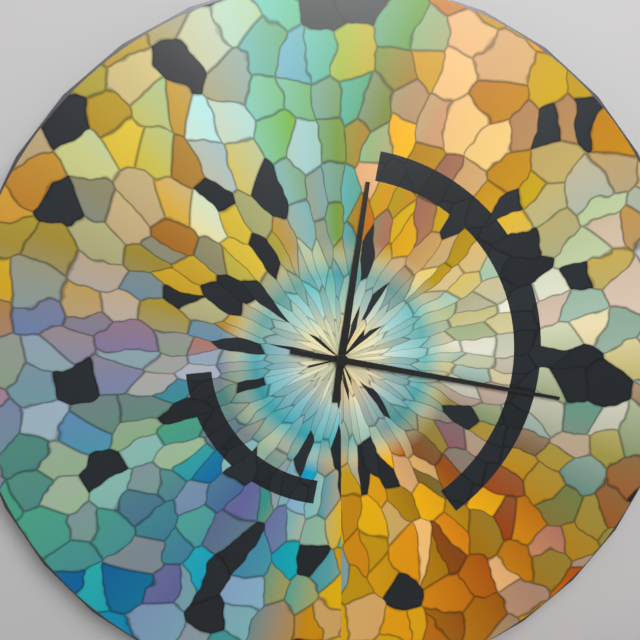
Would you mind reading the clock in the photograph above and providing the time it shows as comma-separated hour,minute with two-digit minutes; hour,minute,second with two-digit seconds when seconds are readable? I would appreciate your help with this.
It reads 12,17
